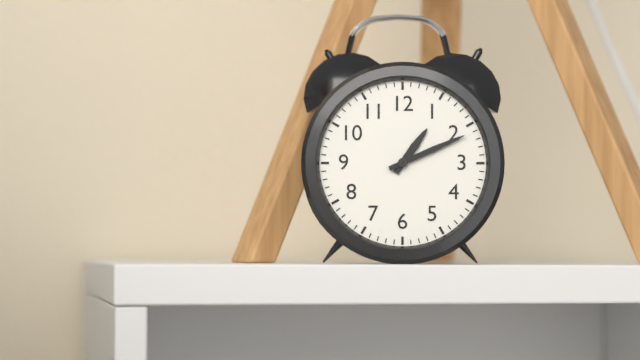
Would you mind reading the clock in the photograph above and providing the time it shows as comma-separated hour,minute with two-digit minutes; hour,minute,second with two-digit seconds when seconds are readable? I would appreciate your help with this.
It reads 1,11
